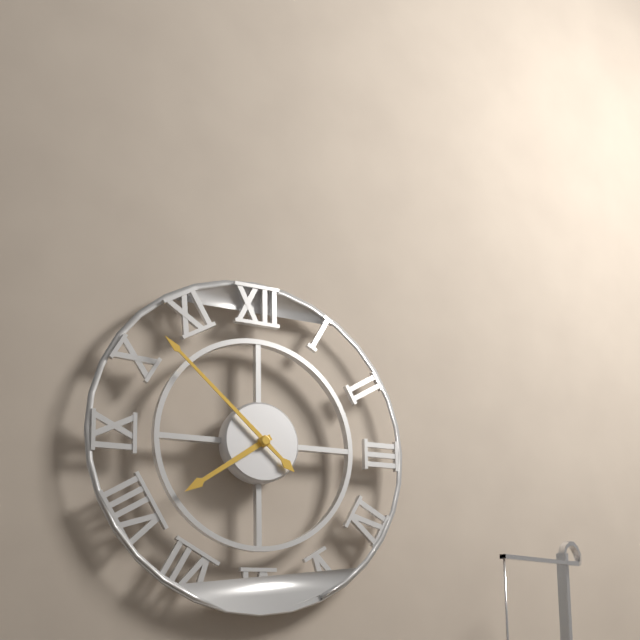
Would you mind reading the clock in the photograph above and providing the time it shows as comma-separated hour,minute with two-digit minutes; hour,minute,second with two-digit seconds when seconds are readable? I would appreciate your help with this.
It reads 7,52
